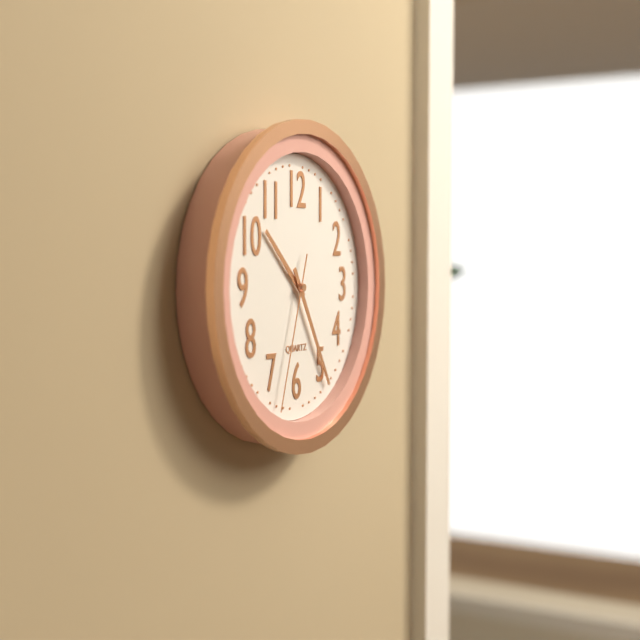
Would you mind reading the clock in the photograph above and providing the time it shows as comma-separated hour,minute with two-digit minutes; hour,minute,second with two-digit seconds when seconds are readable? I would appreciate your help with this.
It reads 10,25,33
